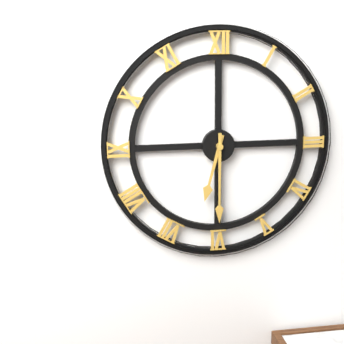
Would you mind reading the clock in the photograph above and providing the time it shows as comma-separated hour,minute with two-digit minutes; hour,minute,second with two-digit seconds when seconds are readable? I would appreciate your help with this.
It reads 6,30
